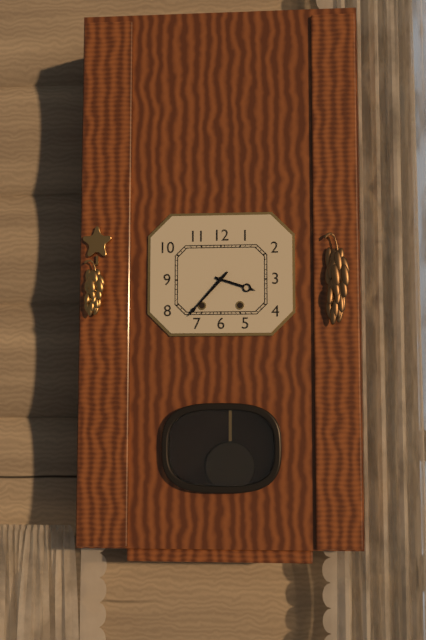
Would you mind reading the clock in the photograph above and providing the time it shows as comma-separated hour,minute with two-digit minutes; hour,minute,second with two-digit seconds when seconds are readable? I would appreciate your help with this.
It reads 3,37
